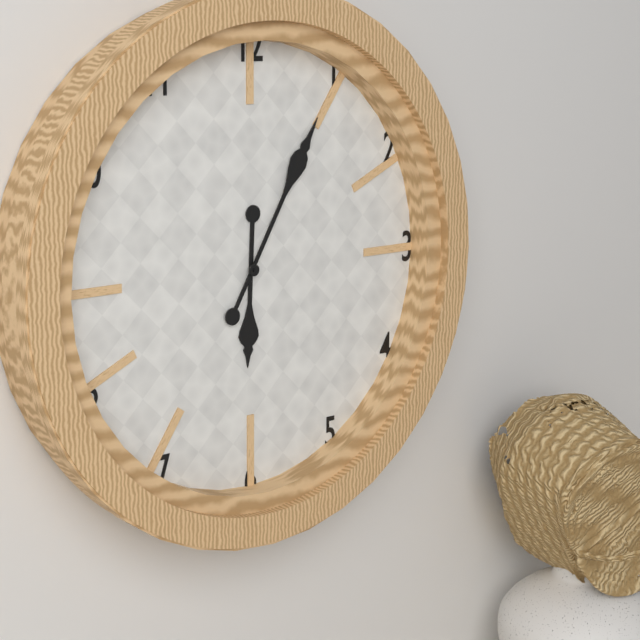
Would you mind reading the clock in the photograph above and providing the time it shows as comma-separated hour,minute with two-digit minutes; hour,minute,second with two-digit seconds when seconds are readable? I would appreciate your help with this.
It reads 6,05
